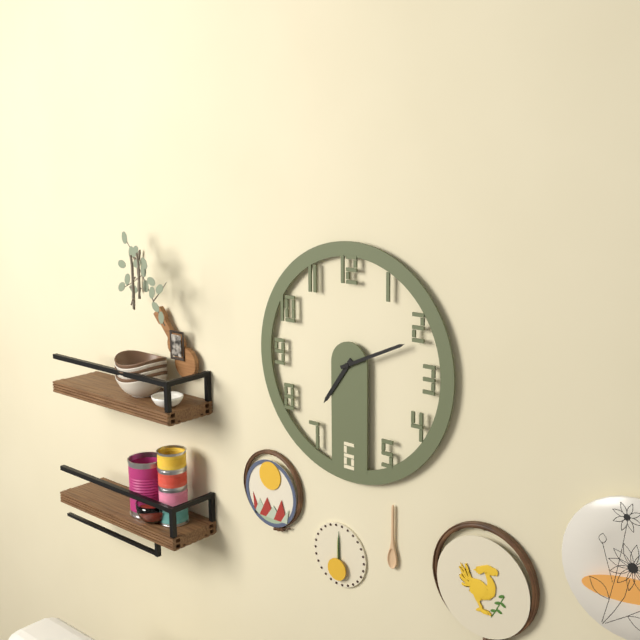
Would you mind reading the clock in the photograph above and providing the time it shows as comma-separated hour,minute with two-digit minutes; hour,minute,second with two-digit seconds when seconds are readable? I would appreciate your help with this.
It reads 7,11
